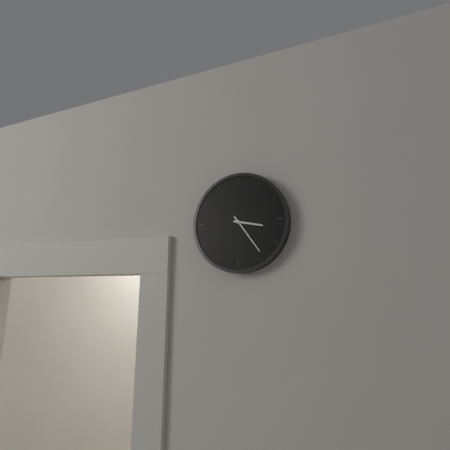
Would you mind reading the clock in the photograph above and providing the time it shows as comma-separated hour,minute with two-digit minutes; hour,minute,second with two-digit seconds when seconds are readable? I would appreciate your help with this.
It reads 3,24
